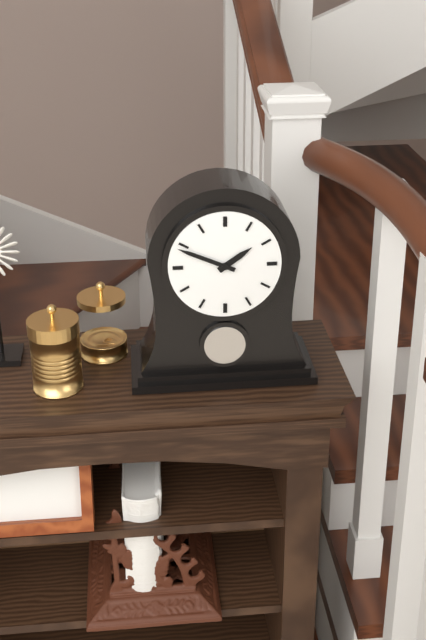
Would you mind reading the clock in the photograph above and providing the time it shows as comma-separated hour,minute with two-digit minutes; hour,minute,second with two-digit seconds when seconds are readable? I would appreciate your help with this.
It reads 1,49
